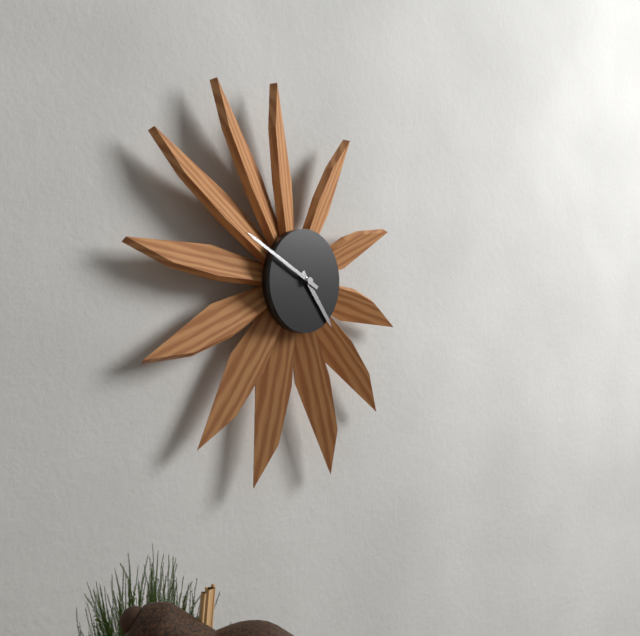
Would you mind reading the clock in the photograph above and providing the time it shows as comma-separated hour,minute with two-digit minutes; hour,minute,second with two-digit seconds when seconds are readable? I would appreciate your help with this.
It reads 4,50
